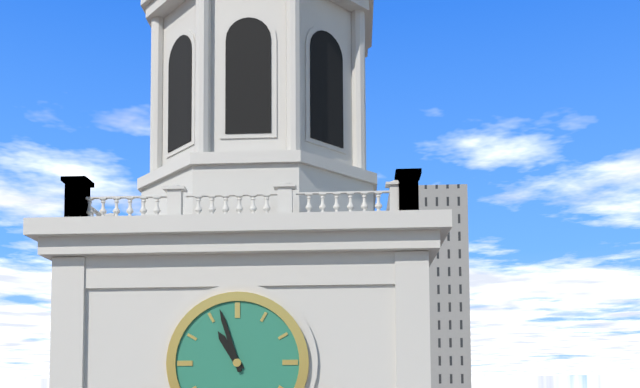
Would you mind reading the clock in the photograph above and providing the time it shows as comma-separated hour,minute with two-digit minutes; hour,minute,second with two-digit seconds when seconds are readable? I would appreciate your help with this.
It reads 10,57
